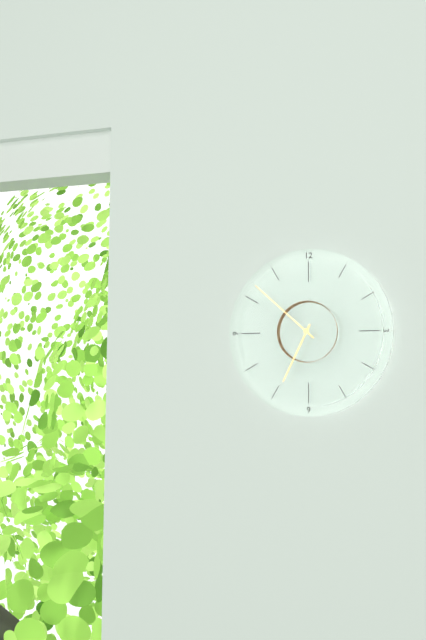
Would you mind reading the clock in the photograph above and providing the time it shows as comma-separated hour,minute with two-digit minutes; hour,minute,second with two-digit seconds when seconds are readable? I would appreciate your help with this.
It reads 6,52
